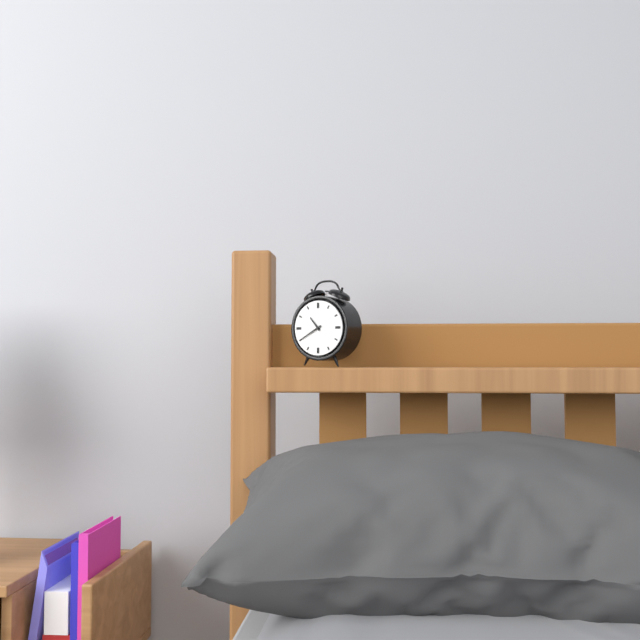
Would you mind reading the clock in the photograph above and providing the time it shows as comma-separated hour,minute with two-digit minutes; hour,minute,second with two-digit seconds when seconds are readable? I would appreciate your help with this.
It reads 10,40
